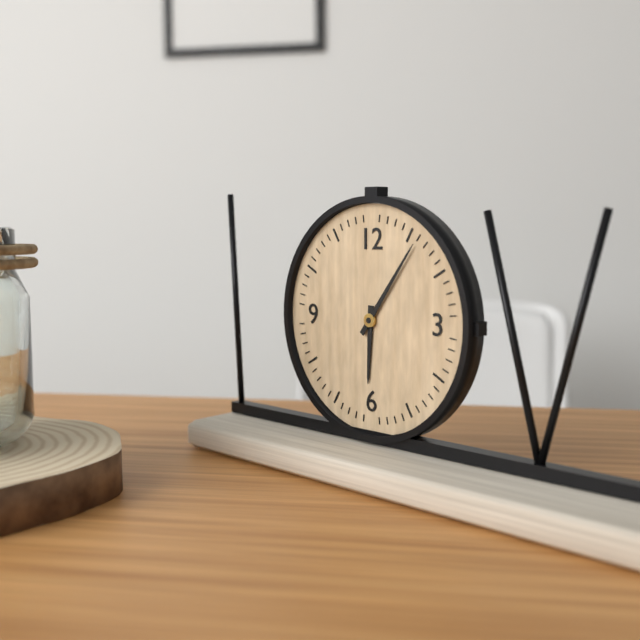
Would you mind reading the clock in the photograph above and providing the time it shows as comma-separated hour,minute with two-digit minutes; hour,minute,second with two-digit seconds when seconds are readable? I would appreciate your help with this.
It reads 6,06
